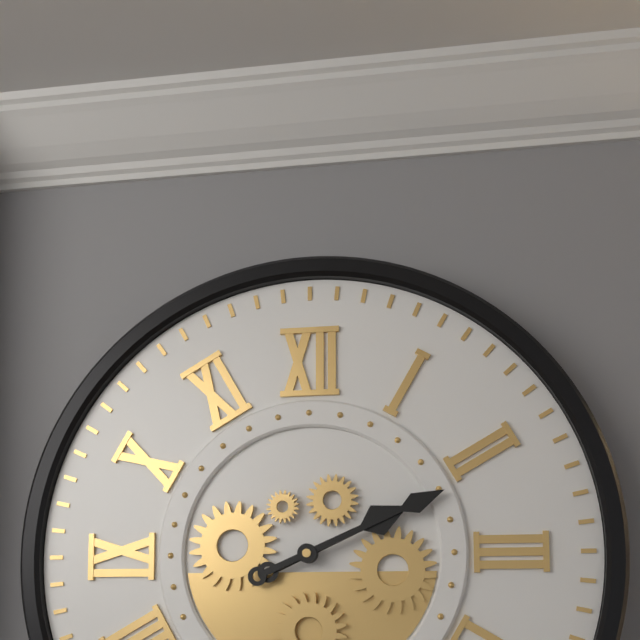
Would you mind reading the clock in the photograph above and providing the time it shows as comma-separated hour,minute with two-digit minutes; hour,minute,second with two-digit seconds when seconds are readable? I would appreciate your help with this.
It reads 2,11
